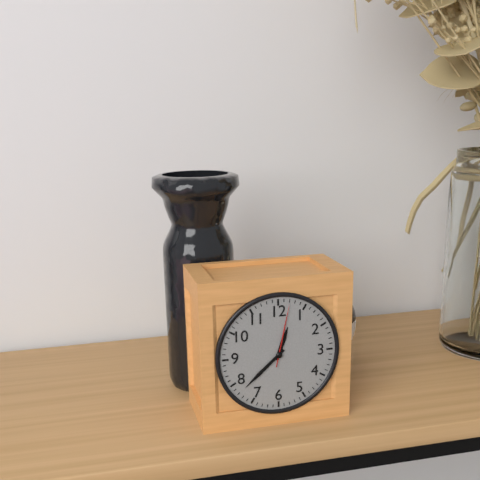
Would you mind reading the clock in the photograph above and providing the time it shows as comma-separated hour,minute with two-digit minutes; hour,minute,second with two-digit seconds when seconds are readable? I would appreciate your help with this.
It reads 12,38,02
